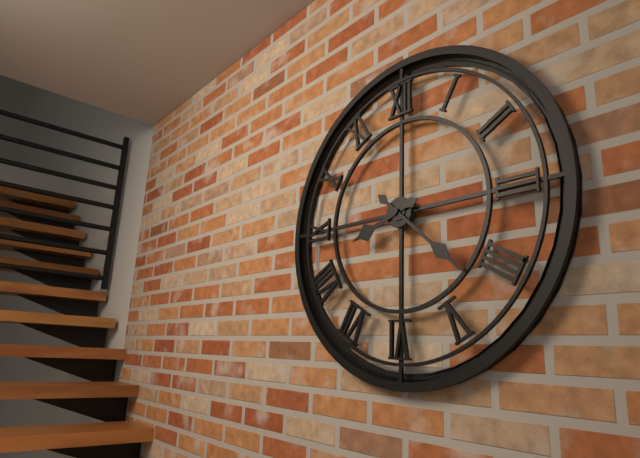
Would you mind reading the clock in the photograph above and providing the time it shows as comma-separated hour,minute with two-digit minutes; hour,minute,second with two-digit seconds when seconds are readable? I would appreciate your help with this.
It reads 8,22
